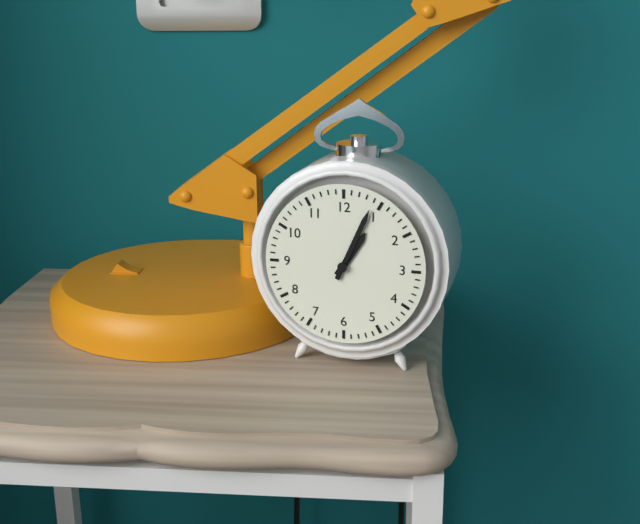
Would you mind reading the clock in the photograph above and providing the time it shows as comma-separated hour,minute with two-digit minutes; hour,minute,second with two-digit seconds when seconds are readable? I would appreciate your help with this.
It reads 1,04
